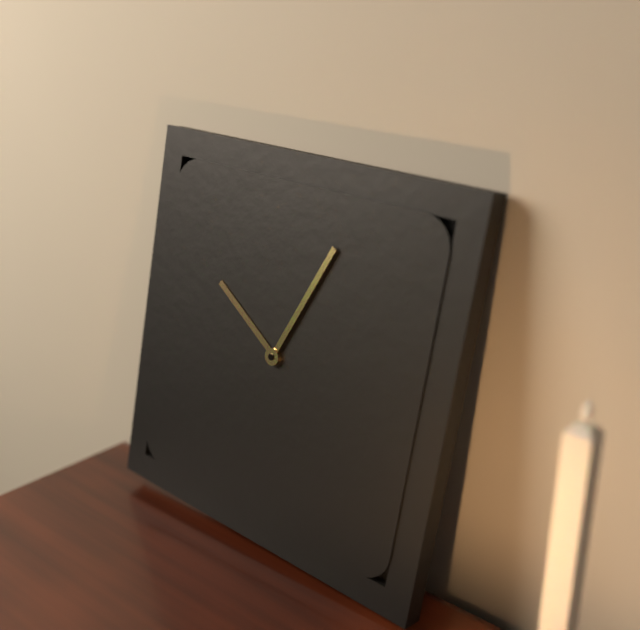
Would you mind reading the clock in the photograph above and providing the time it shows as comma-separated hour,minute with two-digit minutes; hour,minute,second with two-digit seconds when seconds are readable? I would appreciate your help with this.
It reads 10,04
